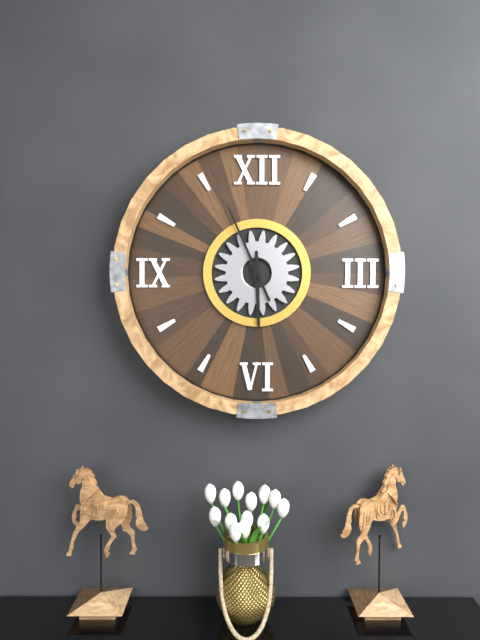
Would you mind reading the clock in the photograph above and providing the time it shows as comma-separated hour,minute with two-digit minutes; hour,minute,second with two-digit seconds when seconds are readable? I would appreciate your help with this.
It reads 5,56
